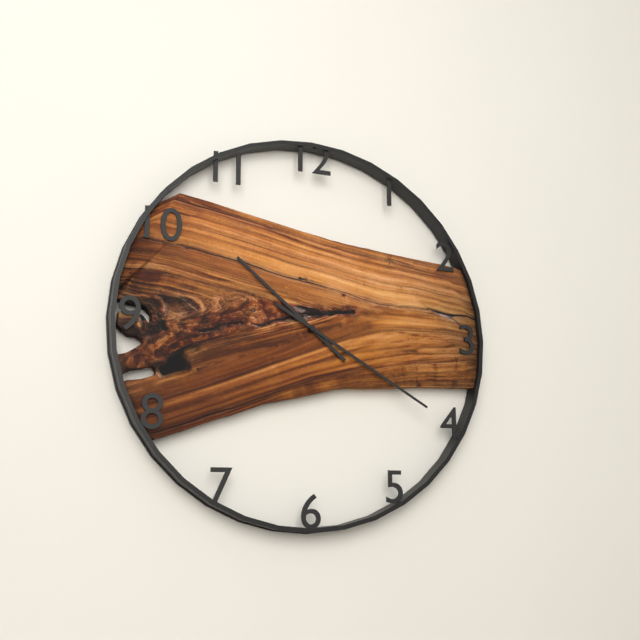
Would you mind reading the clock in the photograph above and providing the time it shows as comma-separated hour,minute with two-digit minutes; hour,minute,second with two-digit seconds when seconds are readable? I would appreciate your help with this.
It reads 10,20
